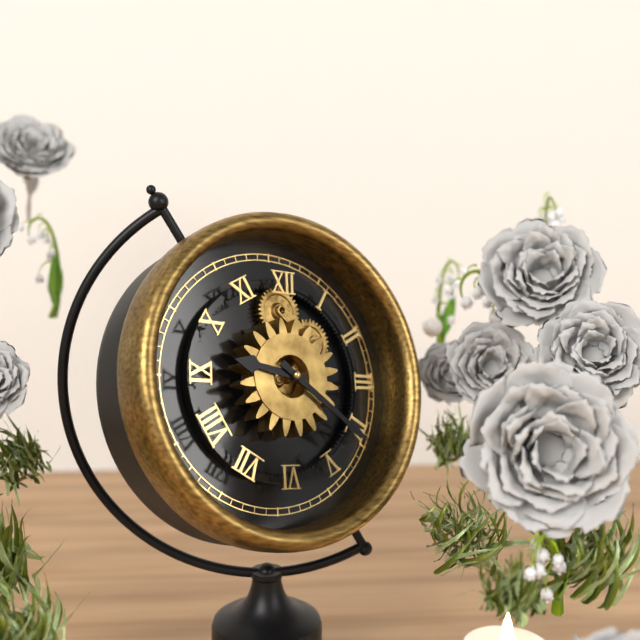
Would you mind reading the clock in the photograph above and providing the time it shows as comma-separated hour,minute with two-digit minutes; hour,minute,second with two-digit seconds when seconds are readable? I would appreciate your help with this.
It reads 9,21
